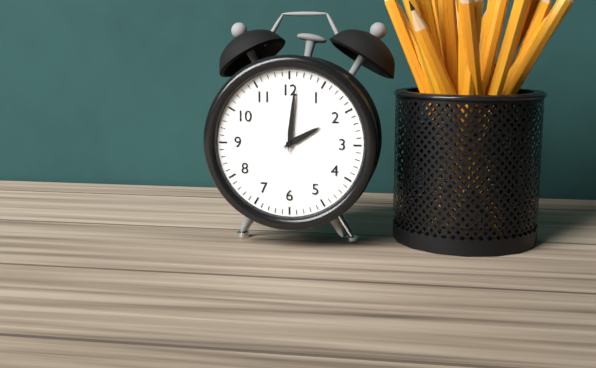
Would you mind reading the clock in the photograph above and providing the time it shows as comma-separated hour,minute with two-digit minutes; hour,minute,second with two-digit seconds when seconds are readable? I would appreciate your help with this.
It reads 2,01
